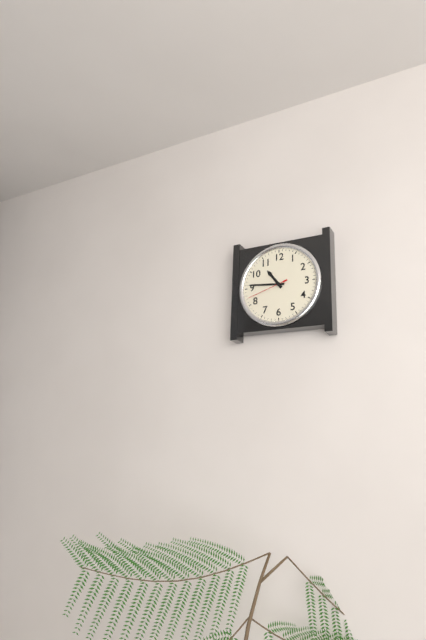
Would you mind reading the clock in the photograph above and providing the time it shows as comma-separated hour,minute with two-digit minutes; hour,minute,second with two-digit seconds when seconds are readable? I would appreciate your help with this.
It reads 10,46
